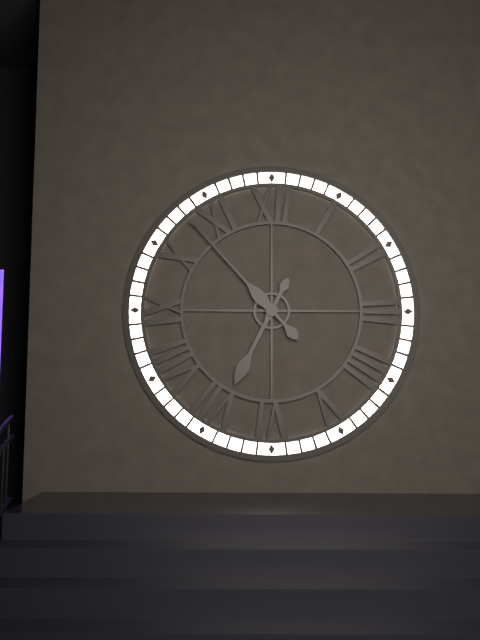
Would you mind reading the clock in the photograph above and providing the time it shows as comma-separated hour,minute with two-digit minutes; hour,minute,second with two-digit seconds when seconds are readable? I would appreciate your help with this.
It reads 6,53
